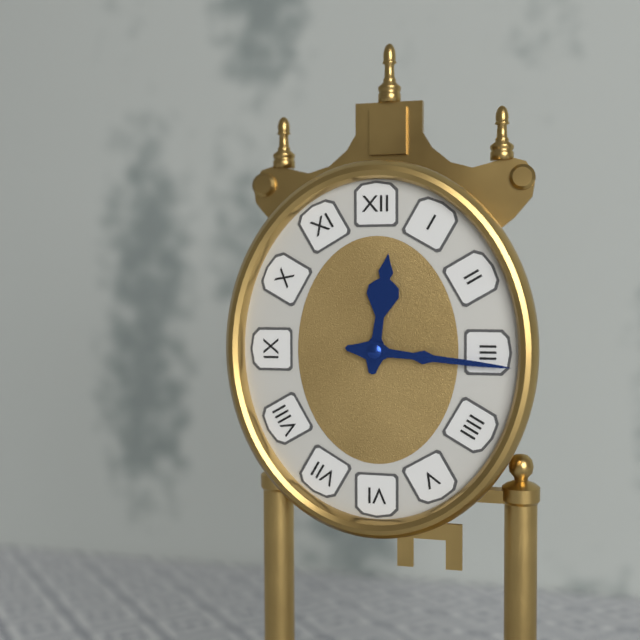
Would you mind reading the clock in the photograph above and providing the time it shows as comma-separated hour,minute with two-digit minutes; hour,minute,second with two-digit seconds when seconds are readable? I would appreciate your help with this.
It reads 12,16
